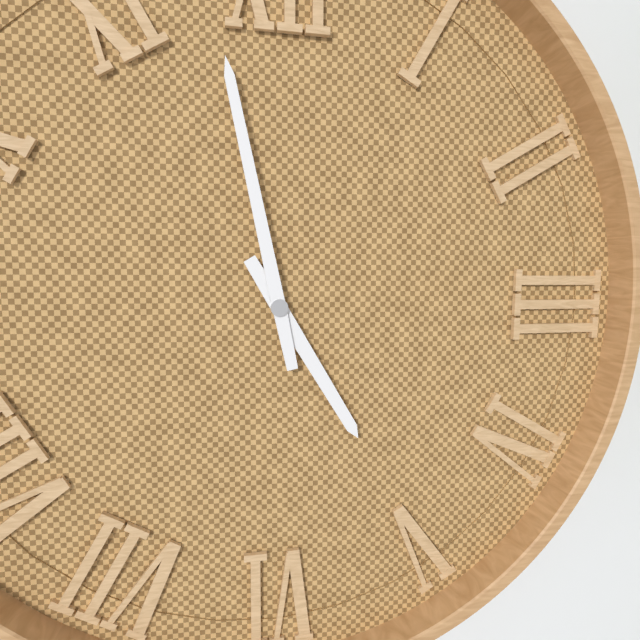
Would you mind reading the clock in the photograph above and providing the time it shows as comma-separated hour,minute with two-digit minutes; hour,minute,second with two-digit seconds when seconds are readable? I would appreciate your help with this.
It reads 4,58
